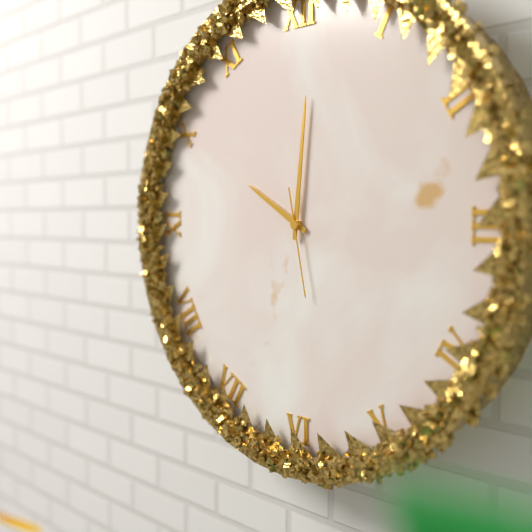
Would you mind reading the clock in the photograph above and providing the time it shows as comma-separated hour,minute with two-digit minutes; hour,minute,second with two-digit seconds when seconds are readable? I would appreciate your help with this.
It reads 10,01,28
